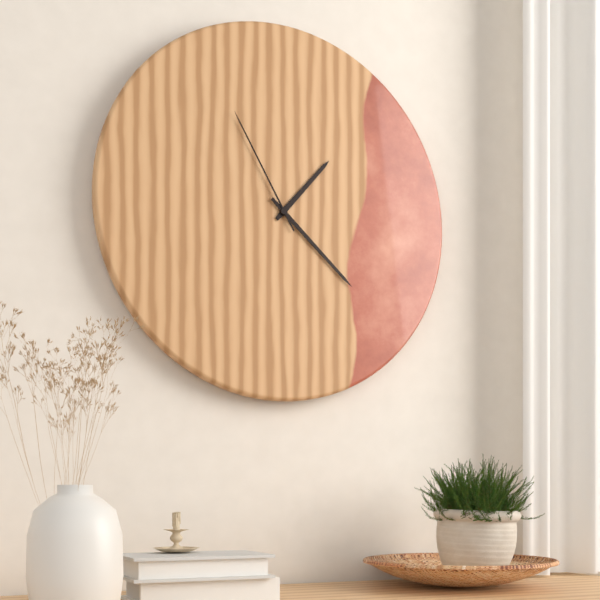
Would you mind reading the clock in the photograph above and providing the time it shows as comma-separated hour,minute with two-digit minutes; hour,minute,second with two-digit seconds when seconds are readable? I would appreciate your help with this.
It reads 1,22,55
